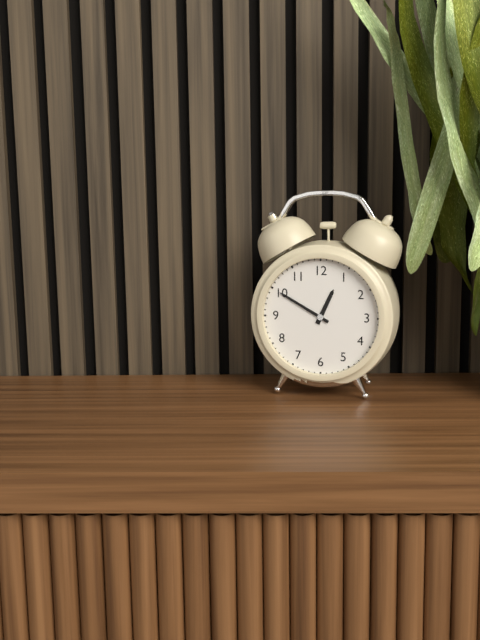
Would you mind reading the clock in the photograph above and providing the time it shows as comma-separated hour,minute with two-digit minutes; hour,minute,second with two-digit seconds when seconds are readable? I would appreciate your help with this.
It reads 12,50
